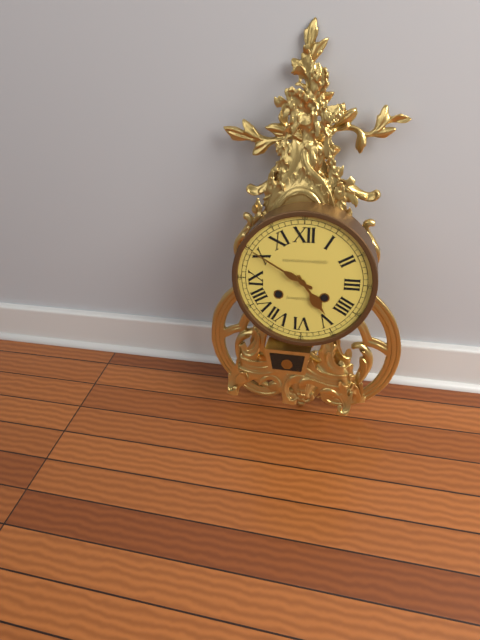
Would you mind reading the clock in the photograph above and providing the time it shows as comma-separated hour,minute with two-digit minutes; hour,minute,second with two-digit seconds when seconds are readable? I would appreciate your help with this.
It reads 4,50
